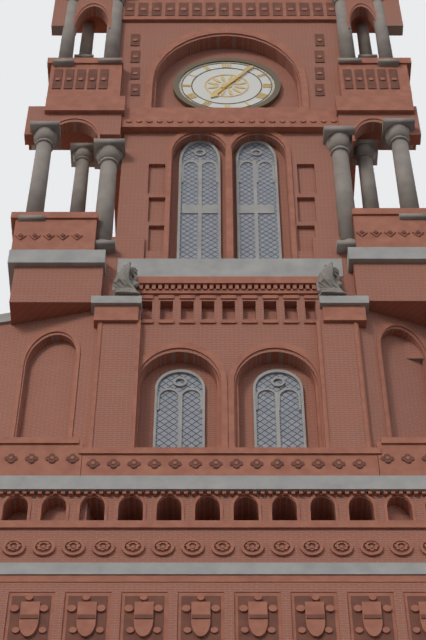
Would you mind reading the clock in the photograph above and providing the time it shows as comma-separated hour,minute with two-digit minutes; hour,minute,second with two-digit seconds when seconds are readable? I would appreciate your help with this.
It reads 7,06
